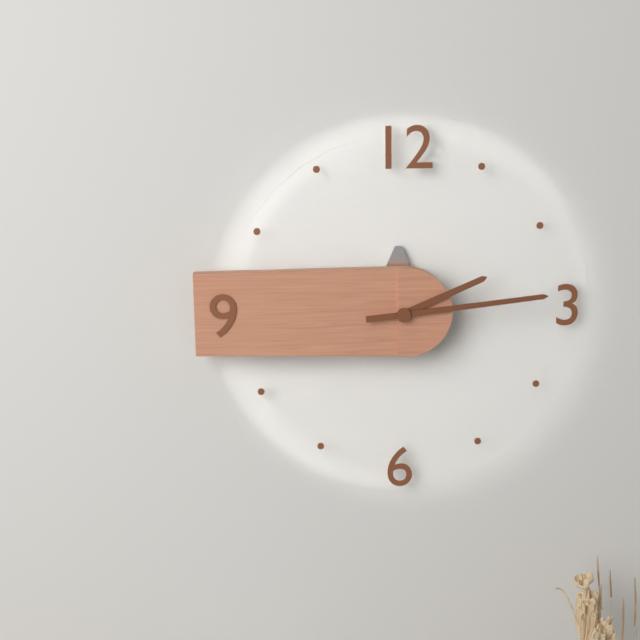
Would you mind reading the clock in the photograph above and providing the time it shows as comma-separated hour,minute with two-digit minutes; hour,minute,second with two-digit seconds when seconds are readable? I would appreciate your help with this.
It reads 2,14
